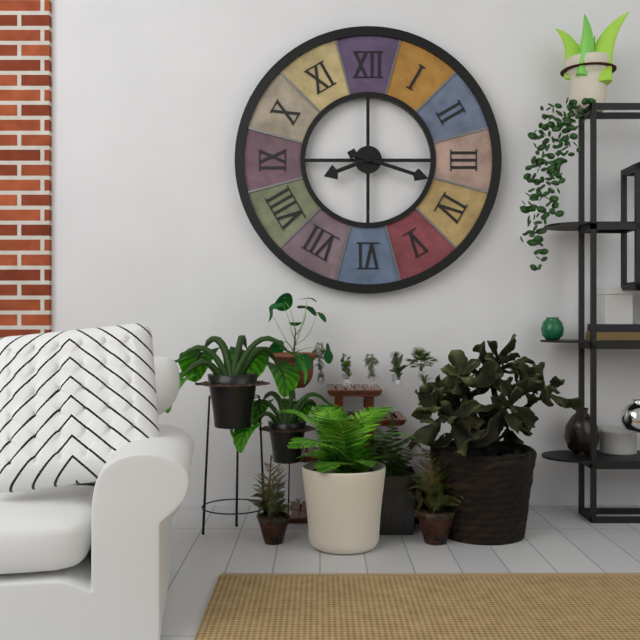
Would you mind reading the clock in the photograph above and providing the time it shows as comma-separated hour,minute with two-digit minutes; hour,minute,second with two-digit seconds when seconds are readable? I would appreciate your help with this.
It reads 8,18
